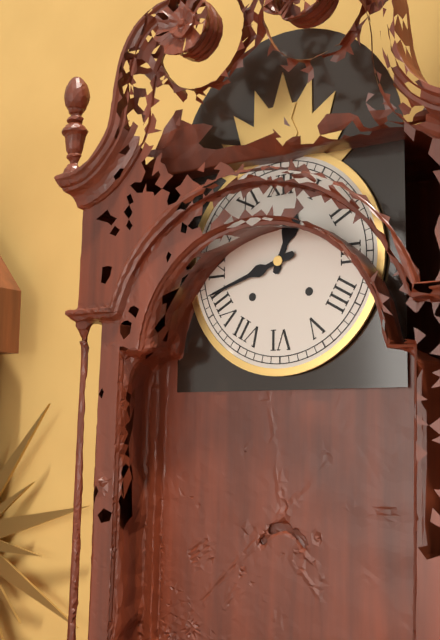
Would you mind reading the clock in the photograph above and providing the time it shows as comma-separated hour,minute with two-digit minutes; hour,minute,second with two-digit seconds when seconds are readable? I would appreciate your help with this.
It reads 12,42
